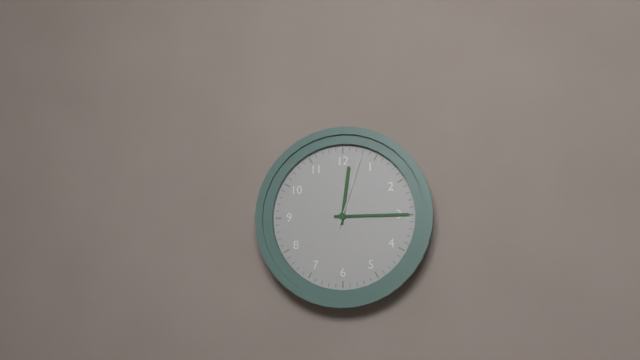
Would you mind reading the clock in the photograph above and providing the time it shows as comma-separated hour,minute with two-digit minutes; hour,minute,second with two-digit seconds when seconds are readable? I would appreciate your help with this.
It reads 12,15,03
